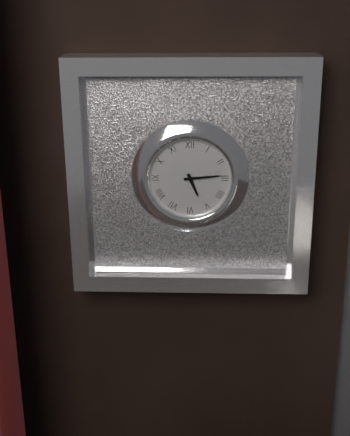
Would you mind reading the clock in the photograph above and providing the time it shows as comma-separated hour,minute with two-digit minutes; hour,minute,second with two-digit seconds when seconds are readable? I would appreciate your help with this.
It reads 5,14
